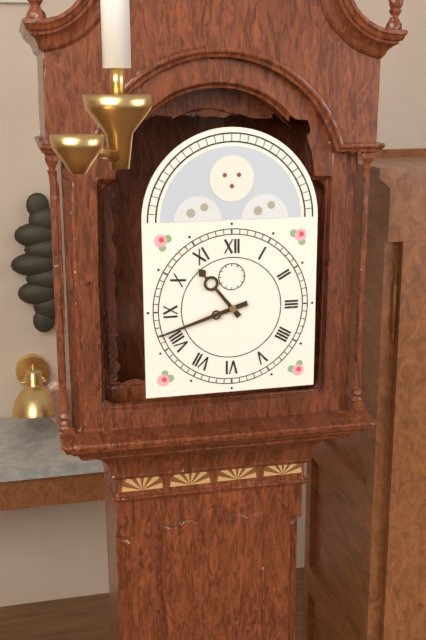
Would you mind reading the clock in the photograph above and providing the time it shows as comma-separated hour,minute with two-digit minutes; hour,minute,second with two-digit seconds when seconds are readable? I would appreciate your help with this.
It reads 10,42
